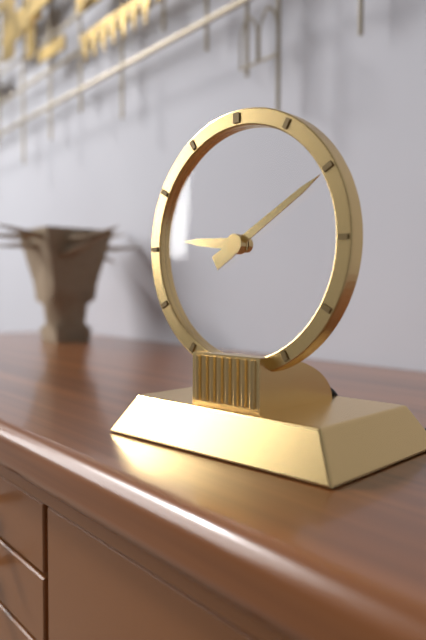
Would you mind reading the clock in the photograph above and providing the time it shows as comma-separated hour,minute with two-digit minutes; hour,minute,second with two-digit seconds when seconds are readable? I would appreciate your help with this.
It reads 9,10
